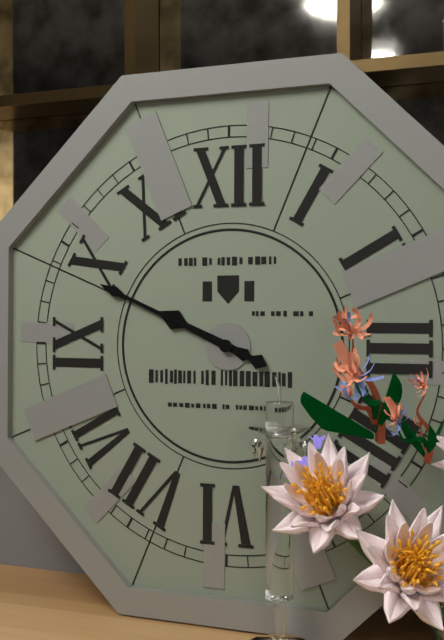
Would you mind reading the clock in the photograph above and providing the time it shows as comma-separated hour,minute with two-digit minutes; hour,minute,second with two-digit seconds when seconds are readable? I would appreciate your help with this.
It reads 9,49
